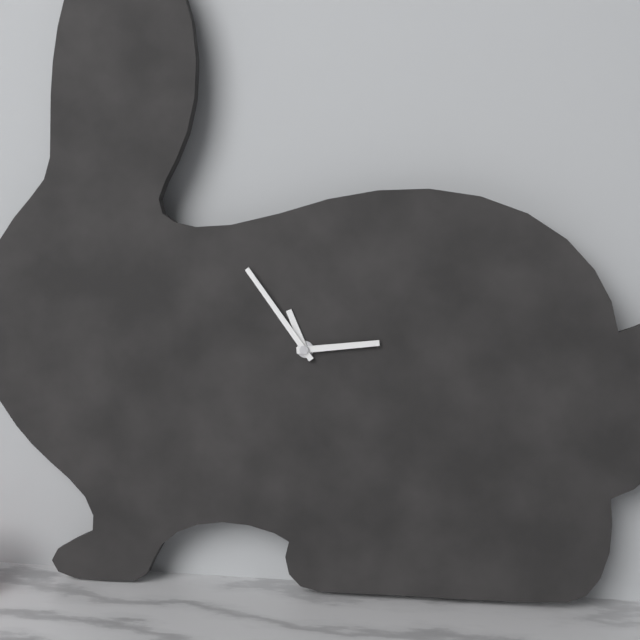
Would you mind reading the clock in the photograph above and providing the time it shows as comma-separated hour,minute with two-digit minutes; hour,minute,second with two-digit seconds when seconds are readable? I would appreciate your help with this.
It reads 11,14,54
